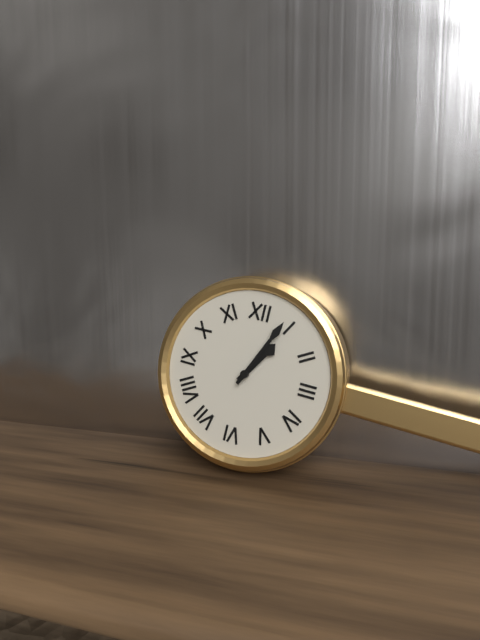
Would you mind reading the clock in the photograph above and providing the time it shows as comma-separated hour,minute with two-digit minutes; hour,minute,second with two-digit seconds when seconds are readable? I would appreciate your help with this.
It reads 1,04
